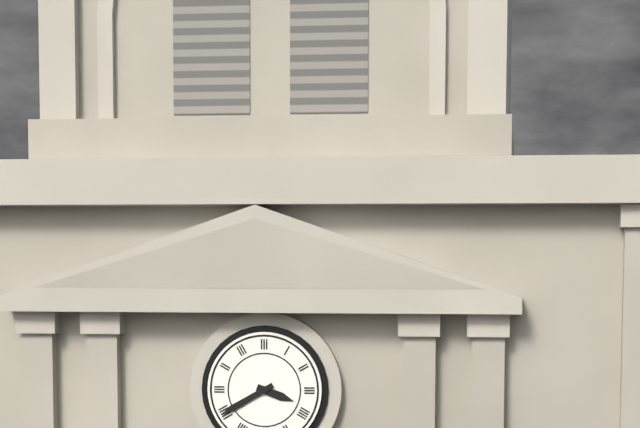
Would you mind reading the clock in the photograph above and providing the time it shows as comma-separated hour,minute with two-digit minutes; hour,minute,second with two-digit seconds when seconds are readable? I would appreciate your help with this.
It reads 3,40
